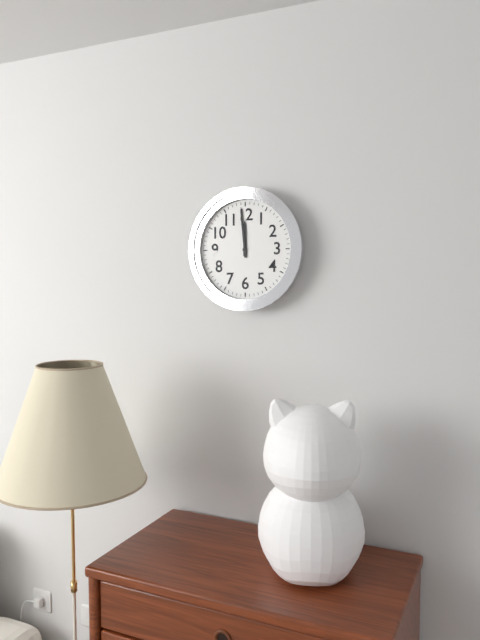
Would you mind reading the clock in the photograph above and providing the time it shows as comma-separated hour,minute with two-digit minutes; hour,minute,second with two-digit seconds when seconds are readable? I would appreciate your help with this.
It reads 11,59
